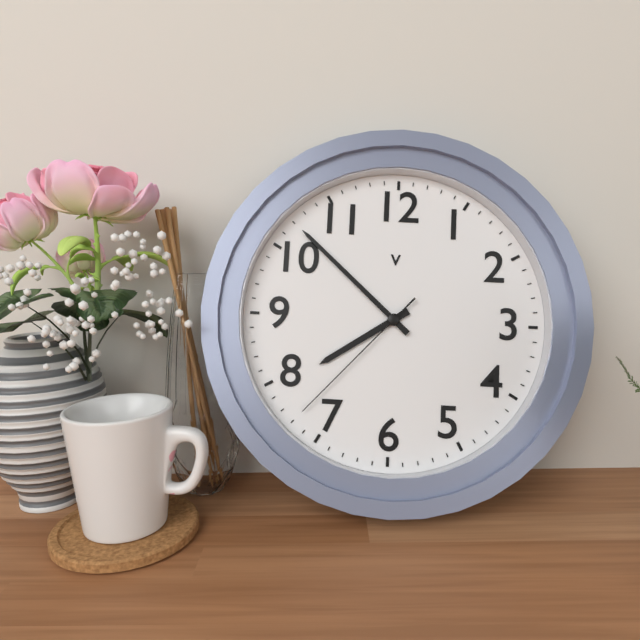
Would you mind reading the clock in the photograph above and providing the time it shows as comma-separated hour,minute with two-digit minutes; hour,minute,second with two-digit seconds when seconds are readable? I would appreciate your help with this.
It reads 7,52,37
